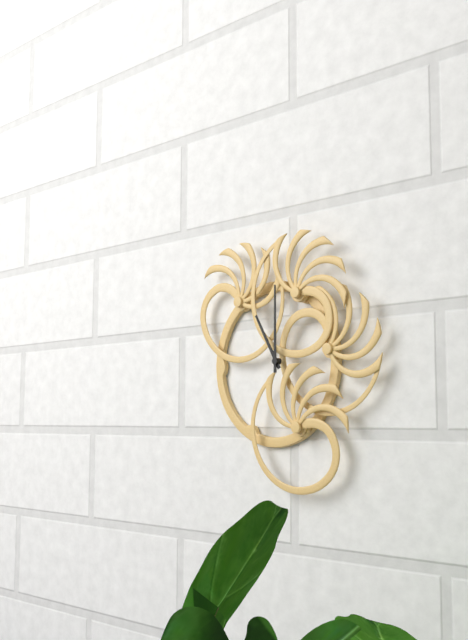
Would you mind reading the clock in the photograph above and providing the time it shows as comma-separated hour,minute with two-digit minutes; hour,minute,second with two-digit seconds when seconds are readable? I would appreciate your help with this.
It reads 11,00
